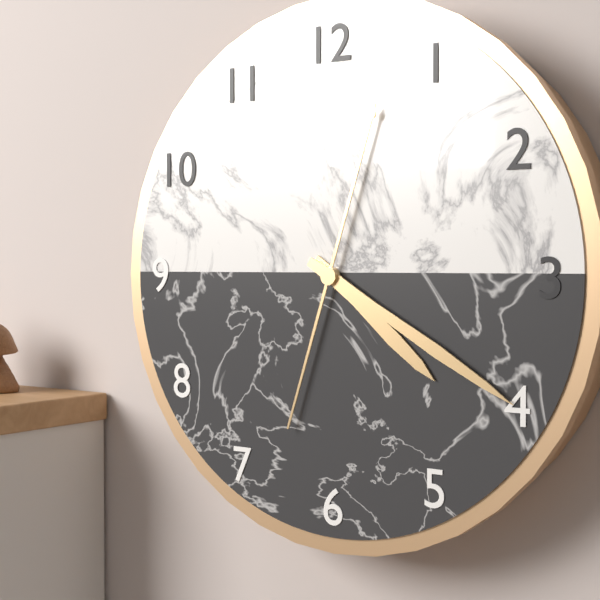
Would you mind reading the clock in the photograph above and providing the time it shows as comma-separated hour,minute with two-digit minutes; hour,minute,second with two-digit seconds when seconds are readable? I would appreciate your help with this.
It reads 4,20,03
